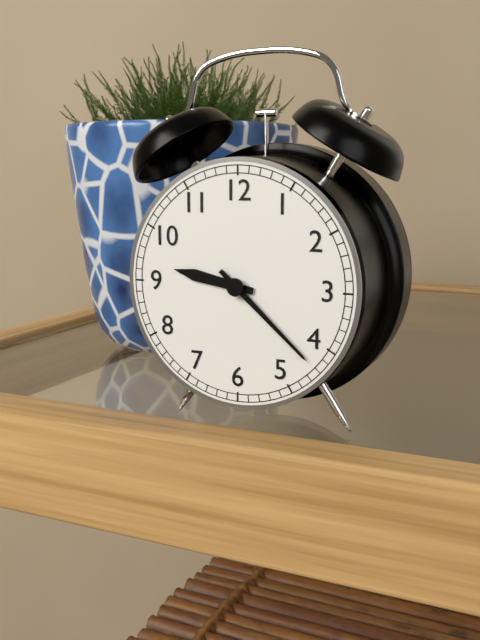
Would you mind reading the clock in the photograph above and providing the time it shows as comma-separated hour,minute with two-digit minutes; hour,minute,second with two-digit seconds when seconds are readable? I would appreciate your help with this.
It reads 9,22
